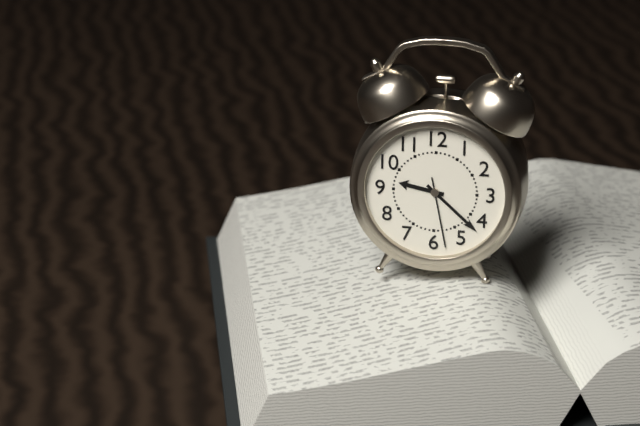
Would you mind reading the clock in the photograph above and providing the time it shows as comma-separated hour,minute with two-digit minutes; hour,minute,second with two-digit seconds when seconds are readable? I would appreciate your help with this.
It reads 9,22,28
